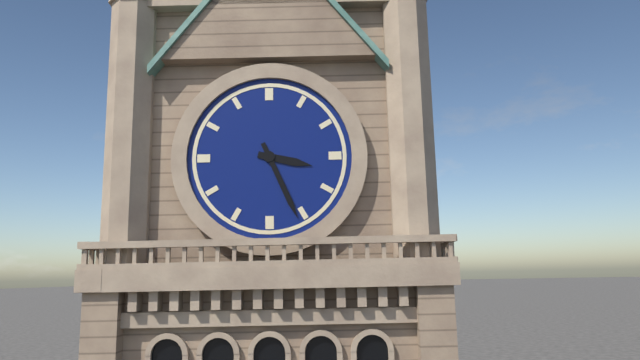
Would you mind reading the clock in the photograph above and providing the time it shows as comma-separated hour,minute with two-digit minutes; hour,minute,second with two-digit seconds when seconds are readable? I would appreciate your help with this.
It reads 3,26
